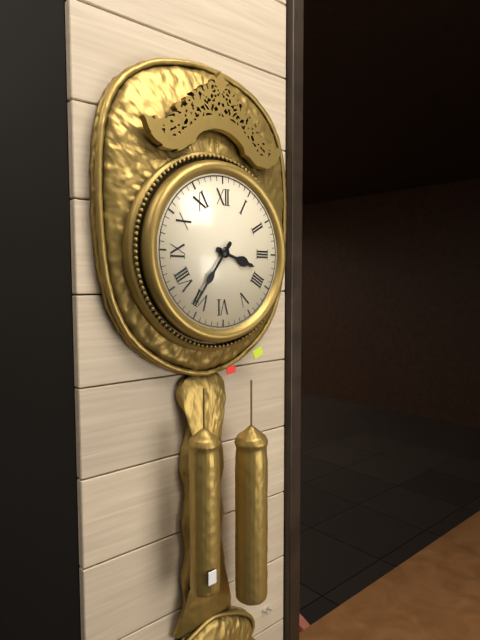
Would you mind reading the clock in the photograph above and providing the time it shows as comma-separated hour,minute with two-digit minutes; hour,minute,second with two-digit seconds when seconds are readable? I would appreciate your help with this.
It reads 3,36
